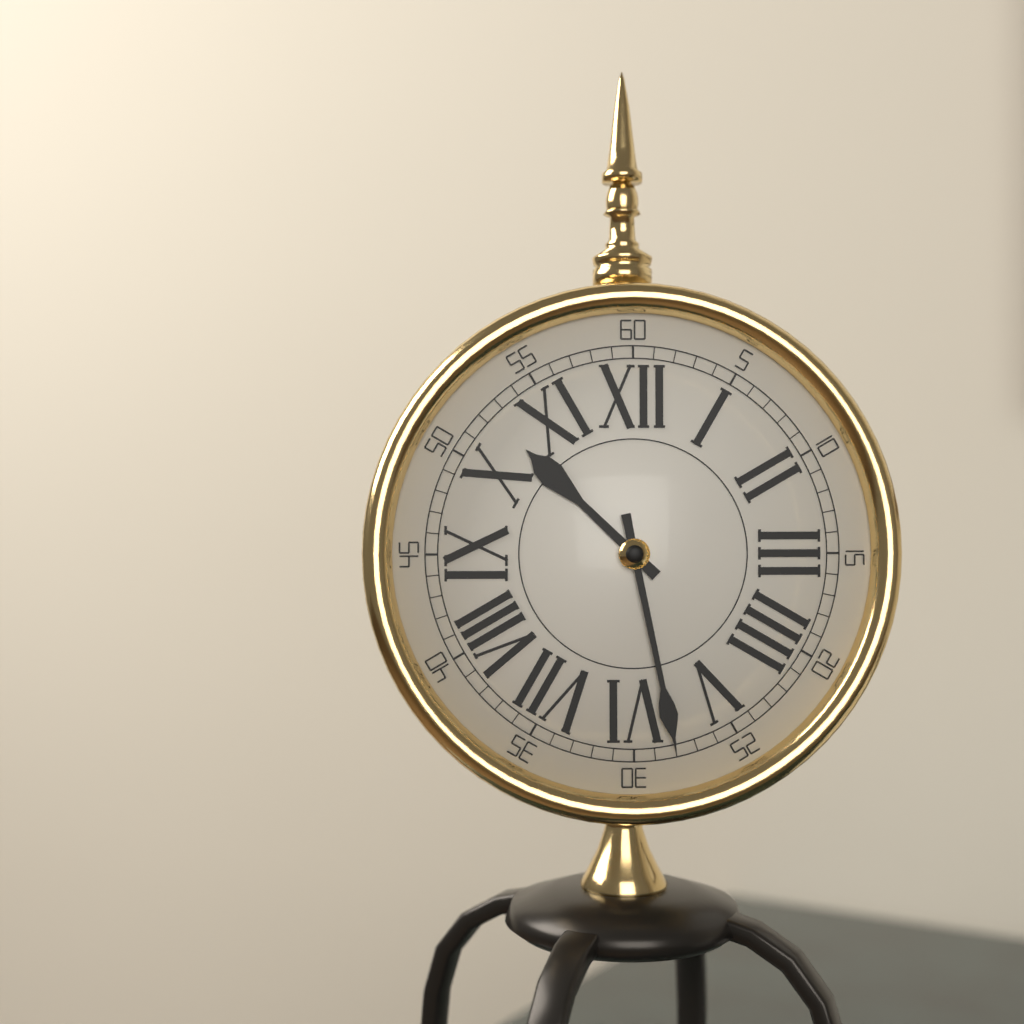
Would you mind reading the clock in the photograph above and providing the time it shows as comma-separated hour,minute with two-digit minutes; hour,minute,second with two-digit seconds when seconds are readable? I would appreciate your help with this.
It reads 10,28
